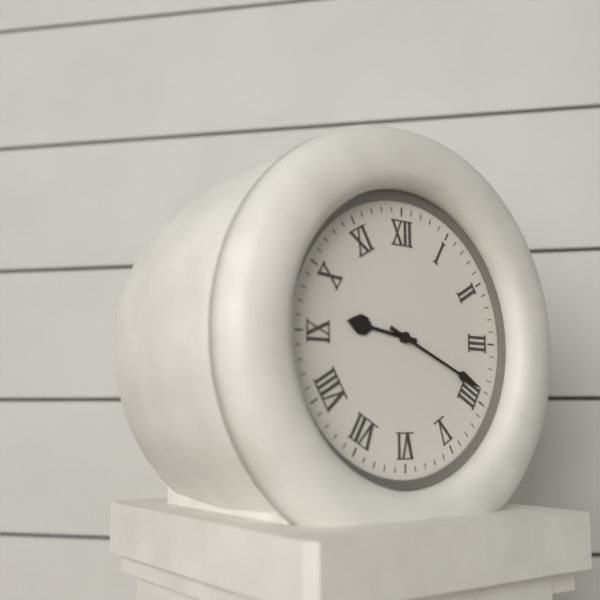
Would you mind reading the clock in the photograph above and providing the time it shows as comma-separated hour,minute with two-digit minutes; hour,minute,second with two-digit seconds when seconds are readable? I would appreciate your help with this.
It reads 9,19
